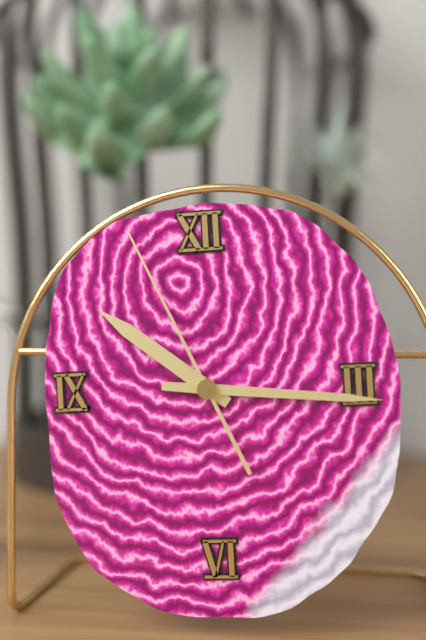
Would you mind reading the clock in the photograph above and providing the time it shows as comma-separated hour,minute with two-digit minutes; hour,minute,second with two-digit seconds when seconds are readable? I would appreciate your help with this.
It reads 10,16,56
